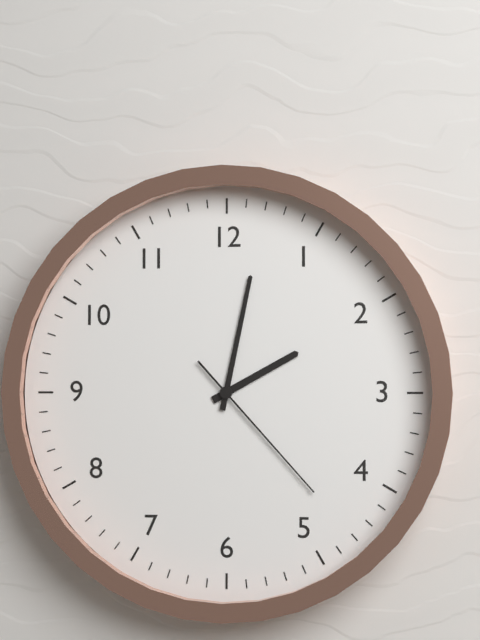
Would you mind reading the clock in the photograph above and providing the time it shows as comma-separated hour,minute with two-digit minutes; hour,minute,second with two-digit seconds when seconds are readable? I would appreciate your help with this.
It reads 2,02,23
